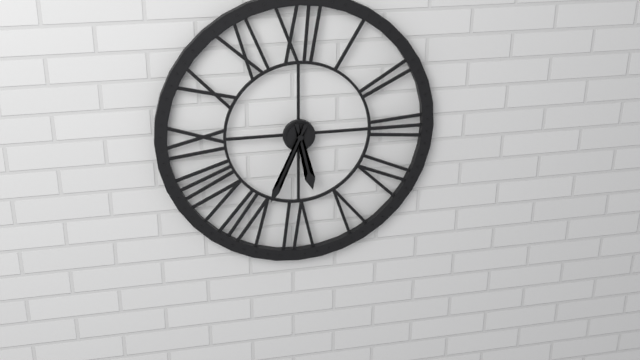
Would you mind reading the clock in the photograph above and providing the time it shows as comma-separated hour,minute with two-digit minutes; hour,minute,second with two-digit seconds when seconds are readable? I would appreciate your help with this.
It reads 5,34
